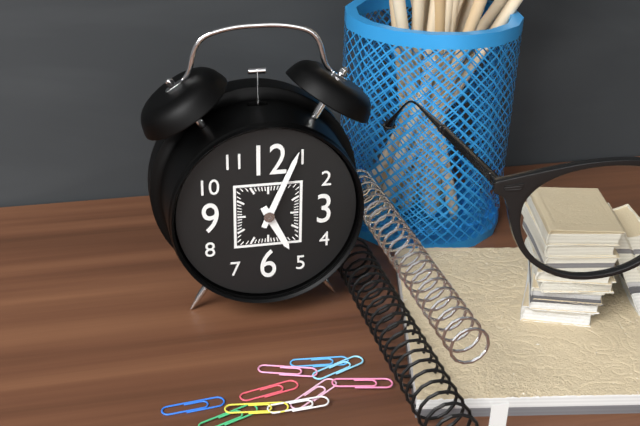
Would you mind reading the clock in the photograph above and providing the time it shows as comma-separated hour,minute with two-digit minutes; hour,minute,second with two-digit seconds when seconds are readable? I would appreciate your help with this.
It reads 5,04
